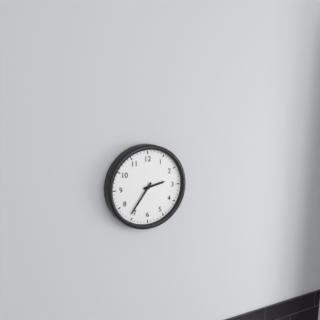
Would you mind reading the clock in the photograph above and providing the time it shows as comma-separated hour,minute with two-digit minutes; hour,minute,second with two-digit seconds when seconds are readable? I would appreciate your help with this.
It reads 2,36
